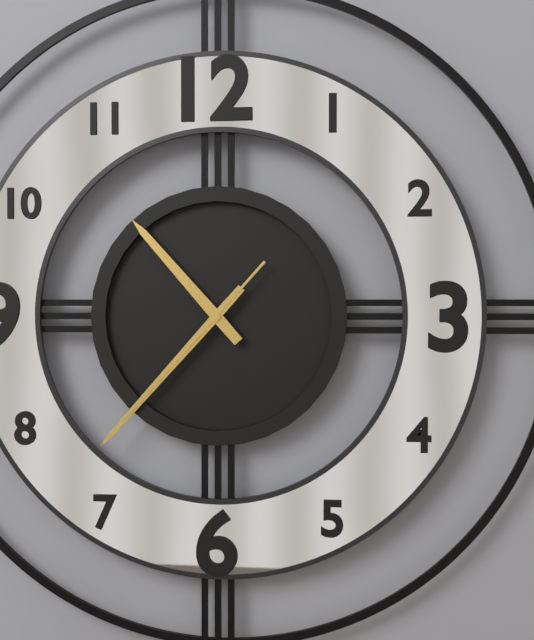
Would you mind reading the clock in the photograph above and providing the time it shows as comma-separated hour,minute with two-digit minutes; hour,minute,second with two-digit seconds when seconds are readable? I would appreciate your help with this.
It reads 10,37,37
